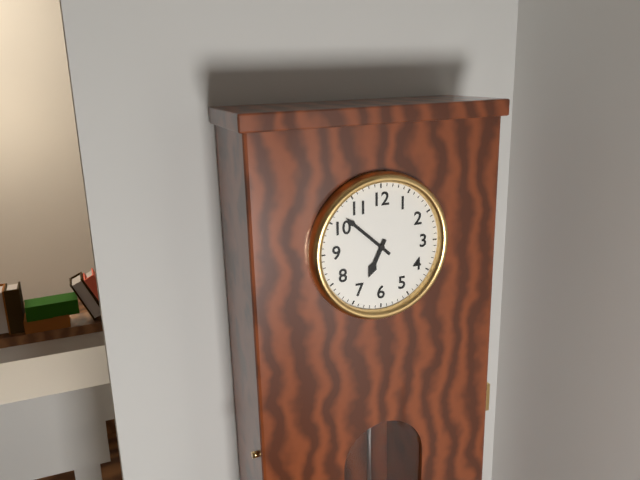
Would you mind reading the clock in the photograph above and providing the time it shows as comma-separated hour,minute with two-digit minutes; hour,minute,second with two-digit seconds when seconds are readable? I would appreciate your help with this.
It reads 6,52
